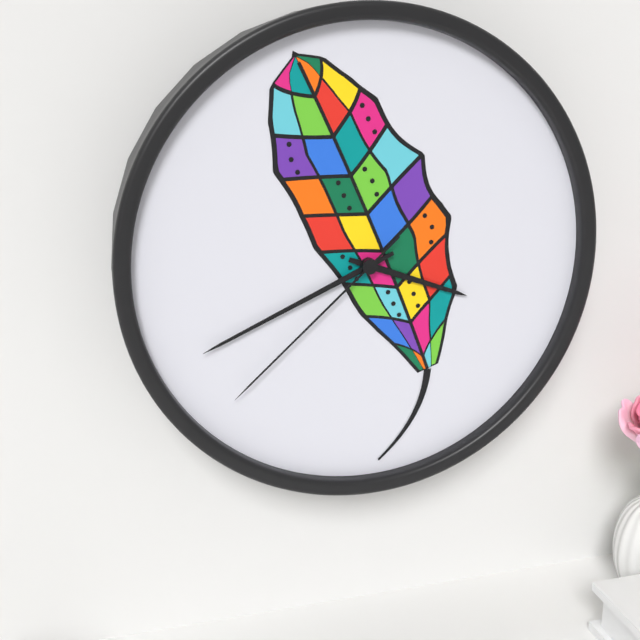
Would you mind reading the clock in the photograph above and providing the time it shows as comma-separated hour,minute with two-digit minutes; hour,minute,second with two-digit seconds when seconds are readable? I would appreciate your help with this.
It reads 3,41,38
